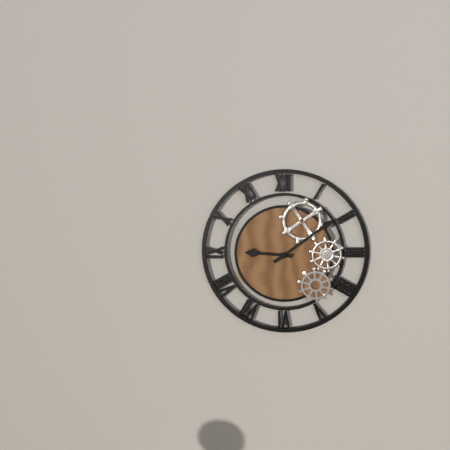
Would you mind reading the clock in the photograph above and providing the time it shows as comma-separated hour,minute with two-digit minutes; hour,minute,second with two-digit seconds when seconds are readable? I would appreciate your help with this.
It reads 9,09
